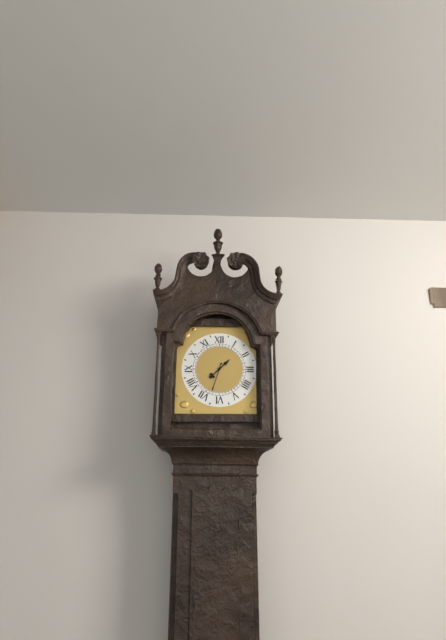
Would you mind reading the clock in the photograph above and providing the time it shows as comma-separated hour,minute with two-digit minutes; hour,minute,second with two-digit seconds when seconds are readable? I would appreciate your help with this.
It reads 1,33
